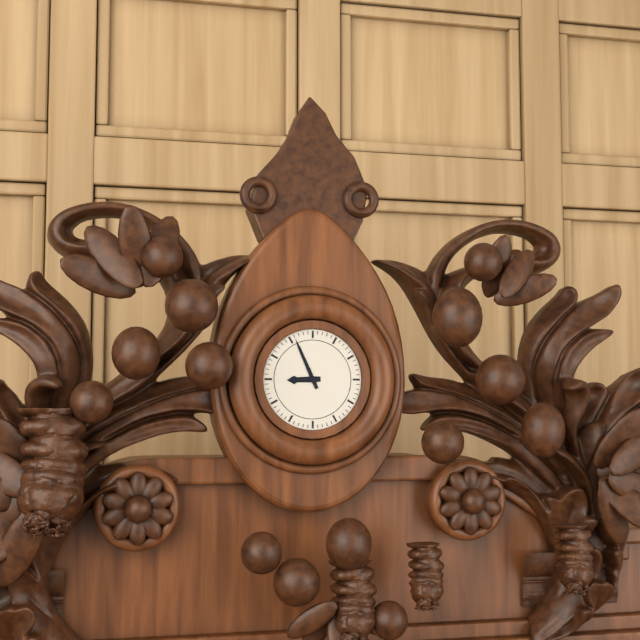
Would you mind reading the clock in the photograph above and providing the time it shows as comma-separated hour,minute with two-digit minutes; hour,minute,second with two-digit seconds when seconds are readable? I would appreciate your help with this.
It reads 8,56
